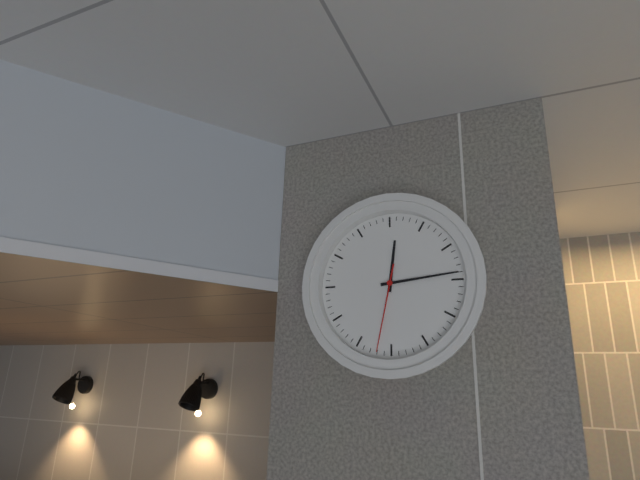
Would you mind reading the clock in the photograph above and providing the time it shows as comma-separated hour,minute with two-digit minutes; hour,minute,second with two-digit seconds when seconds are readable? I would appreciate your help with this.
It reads 12,14,32
